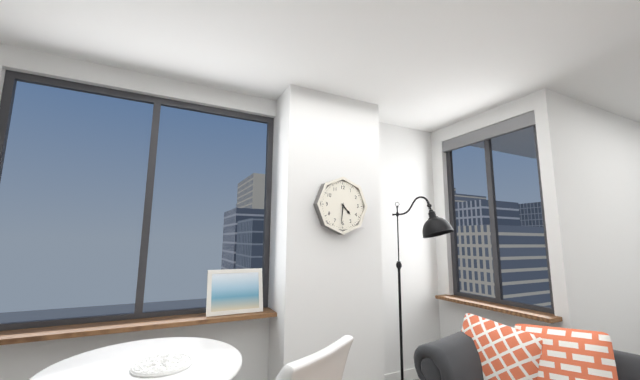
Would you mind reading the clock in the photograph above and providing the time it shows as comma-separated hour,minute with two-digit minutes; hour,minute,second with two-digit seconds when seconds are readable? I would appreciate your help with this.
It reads 4,31
